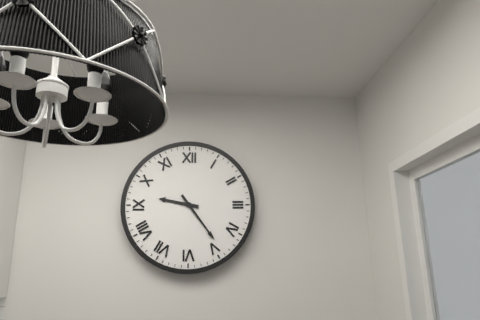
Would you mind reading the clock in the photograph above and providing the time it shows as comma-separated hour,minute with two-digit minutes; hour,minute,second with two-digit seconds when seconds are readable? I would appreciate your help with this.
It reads 9,24
